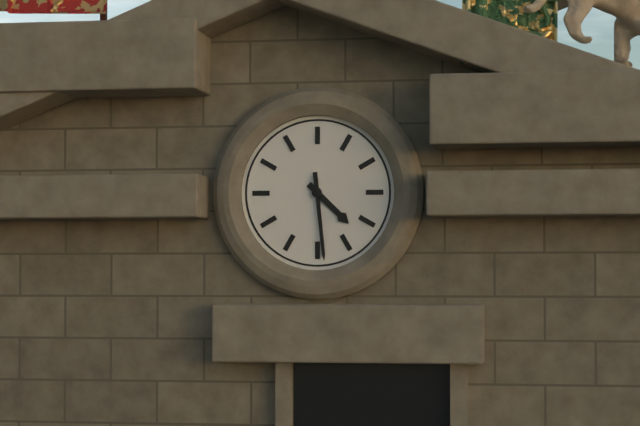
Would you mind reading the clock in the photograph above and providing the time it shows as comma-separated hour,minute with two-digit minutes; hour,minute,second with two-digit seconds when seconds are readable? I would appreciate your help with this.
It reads 4,29
